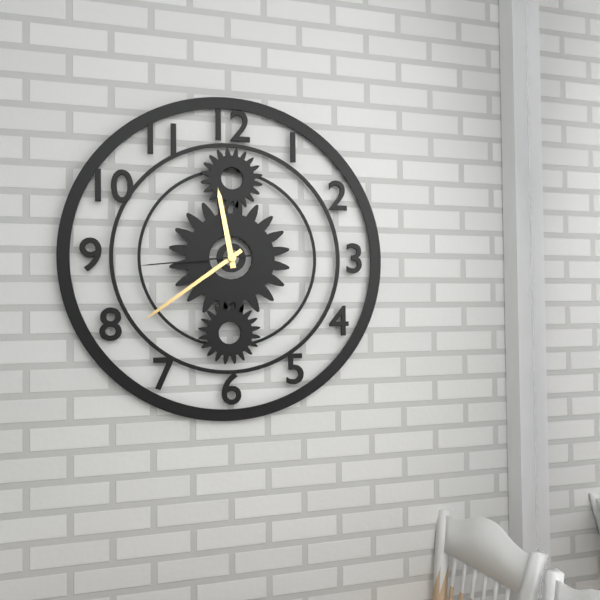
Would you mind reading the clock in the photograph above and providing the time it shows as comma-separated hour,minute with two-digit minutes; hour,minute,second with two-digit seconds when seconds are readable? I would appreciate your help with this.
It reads 11,39,44
